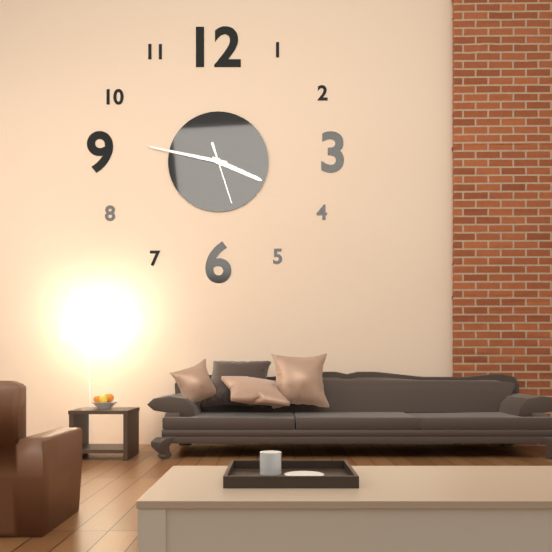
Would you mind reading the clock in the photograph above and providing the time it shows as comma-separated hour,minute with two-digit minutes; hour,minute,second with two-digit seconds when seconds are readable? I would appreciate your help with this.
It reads 3,47,27
